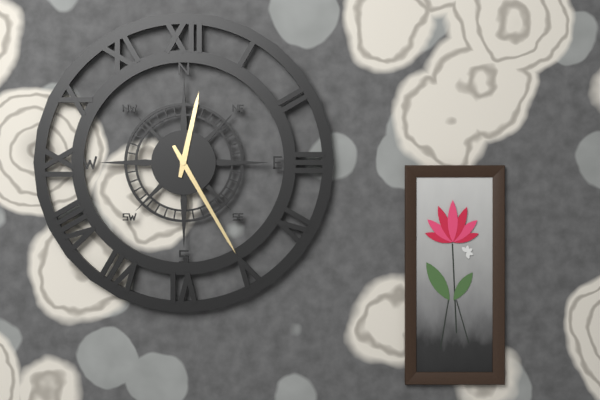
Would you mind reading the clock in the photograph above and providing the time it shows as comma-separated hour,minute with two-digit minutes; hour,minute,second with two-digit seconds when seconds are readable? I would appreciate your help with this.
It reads 12,25
